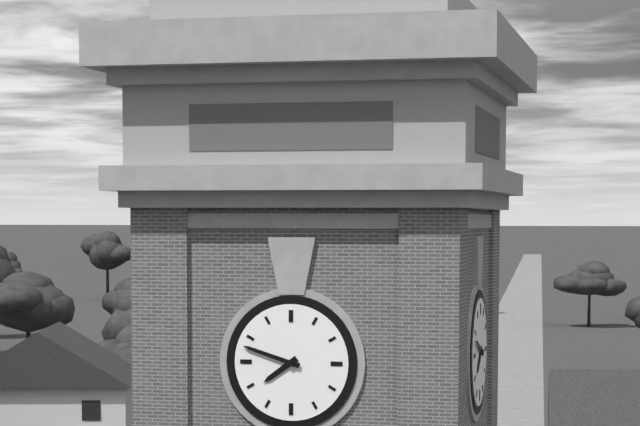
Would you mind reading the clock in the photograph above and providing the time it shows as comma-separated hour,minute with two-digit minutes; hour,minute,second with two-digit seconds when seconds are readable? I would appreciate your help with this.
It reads 7,48
